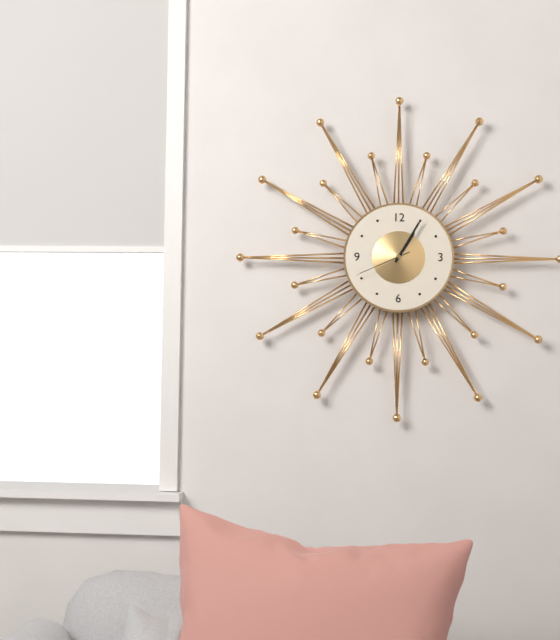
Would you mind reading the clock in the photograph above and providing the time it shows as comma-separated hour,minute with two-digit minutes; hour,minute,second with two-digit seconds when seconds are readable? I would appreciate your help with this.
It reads 1,05,41
